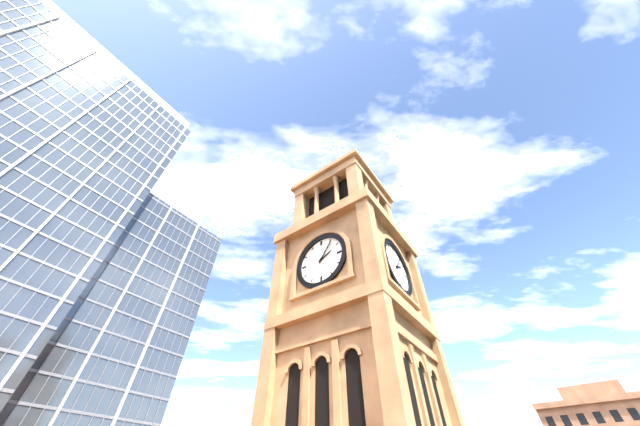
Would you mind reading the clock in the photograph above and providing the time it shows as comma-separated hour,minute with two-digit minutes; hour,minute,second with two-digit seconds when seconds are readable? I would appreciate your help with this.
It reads 2,06
